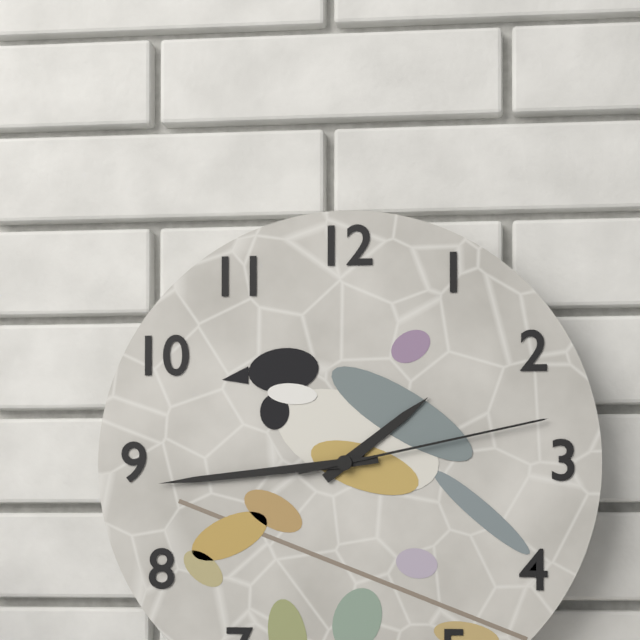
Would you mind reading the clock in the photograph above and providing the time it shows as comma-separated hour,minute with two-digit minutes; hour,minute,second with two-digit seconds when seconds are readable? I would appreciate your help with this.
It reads 1,44,13
